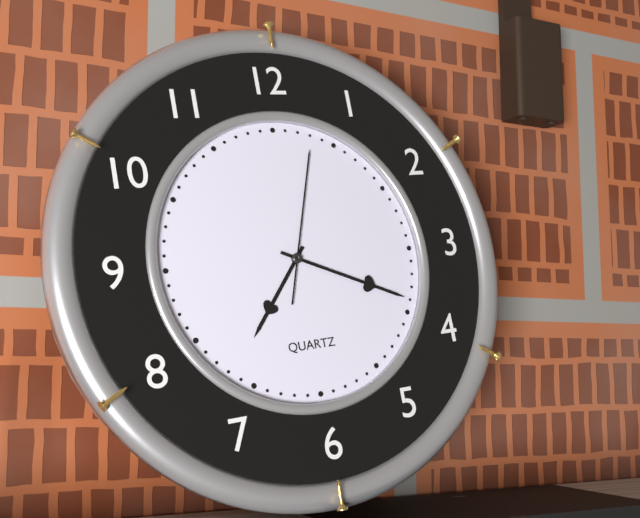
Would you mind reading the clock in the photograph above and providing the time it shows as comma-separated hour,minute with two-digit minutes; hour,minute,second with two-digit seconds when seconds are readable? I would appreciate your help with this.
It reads 7,19,03
